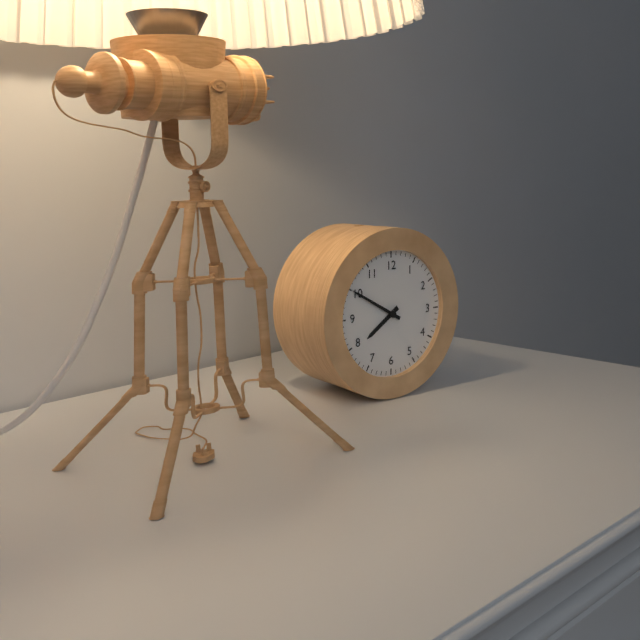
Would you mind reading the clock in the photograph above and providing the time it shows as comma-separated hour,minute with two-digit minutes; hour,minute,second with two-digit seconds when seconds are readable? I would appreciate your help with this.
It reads 7,50
